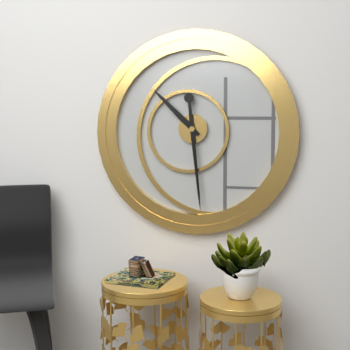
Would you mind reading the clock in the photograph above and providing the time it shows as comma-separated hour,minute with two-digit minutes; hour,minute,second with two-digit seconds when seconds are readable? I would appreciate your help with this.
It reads 10,29
